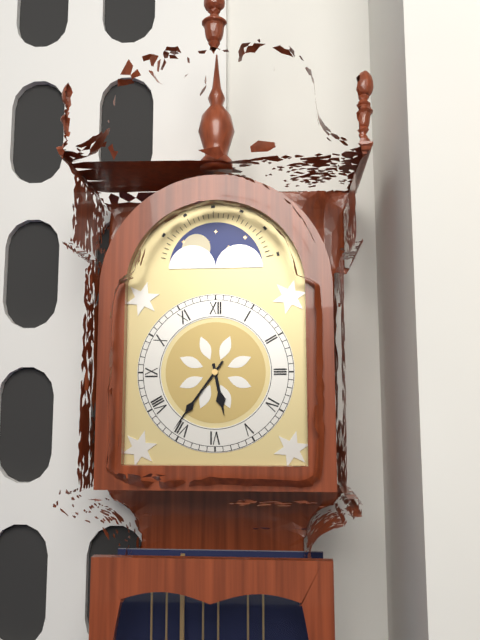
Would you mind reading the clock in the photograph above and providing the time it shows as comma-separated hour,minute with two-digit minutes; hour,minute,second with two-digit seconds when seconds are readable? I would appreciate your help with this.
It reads 5,36
